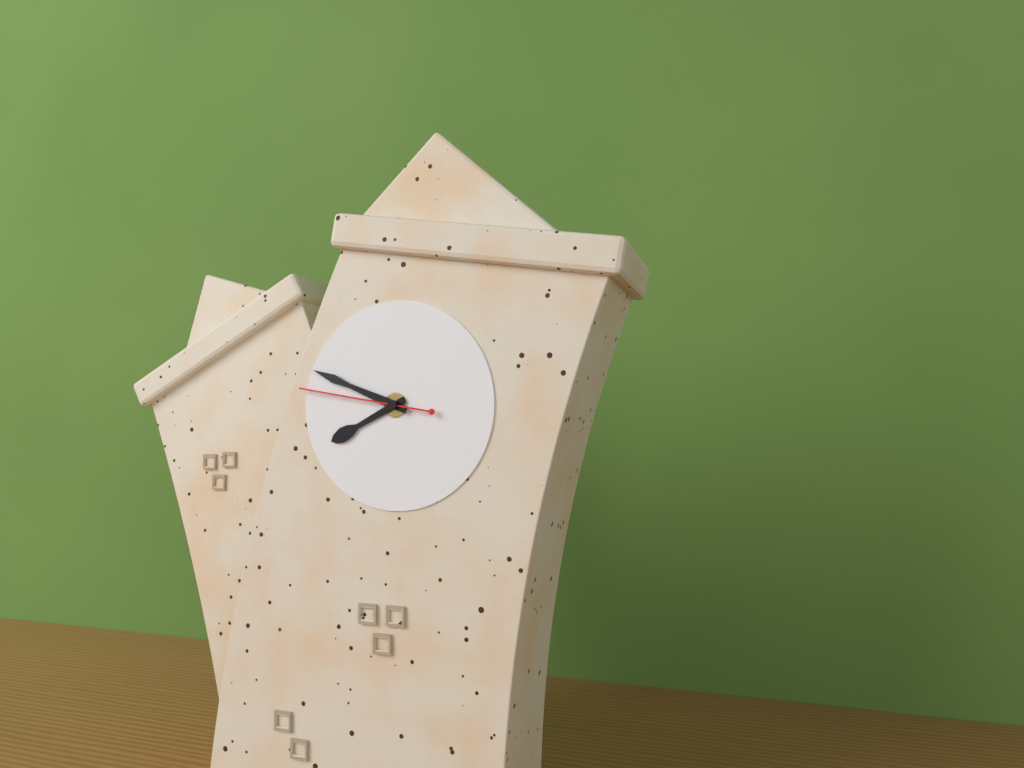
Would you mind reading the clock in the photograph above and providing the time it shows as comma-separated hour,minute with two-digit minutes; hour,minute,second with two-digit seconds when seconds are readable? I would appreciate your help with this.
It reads 7,47,45
